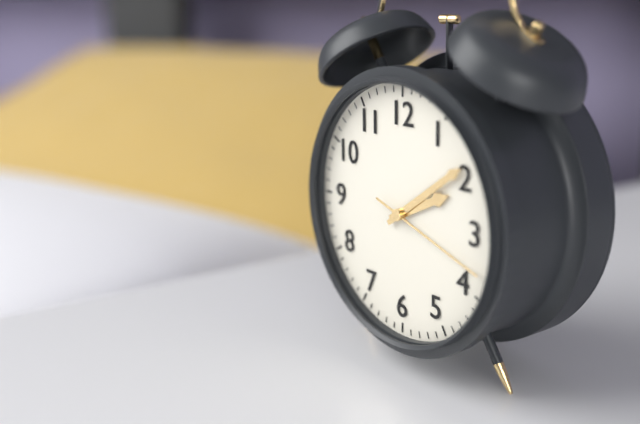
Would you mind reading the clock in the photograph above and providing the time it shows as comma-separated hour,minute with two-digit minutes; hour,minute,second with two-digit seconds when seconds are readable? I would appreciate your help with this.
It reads 2,09,18
